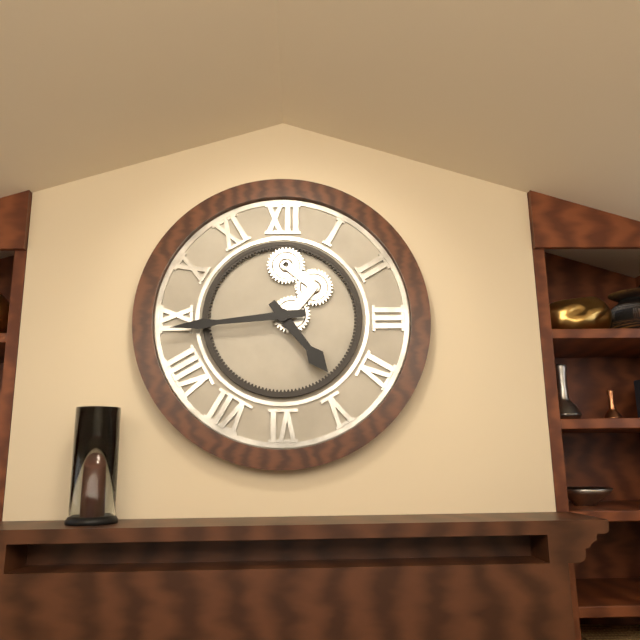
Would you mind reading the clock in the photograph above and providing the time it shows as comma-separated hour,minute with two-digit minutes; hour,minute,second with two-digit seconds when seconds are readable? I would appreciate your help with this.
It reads 4,44
